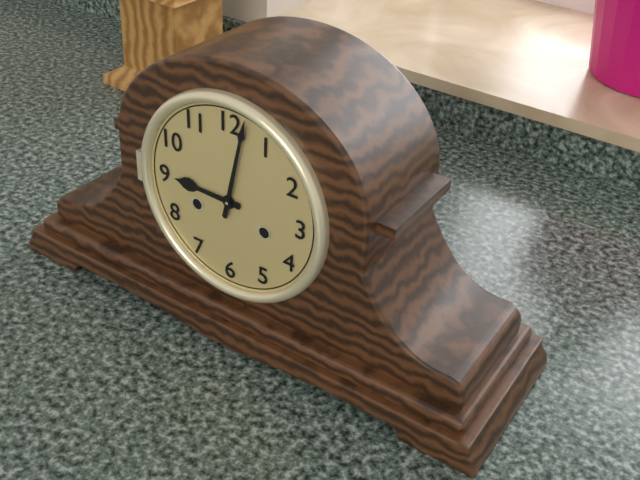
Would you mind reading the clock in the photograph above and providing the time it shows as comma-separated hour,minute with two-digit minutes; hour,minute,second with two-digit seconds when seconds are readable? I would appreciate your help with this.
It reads 9,02
